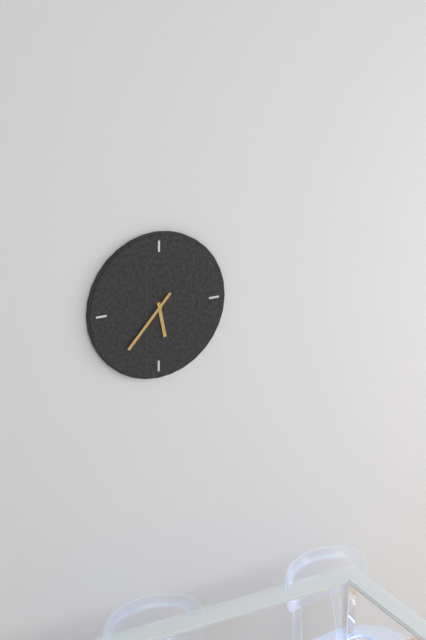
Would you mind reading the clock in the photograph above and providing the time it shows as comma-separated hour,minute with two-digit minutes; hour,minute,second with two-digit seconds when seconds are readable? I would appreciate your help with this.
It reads 5,37
